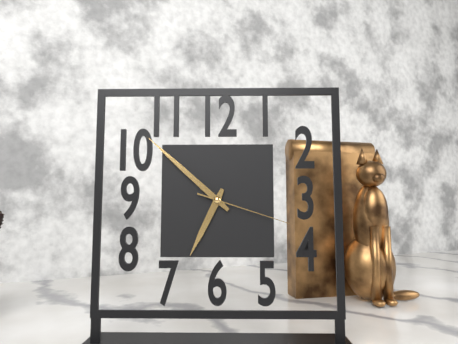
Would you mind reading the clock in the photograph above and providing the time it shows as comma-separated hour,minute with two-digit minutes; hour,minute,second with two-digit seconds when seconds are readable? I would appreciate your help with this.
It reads 6,52,18
